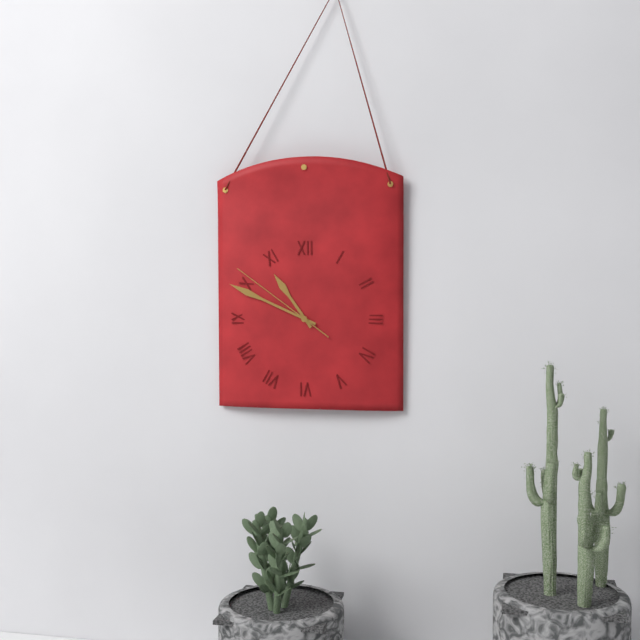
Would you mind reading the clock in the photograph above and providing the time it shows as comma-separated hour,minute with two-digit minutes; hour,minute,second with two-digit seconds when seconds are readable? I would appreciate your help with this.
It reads 10,49,51
